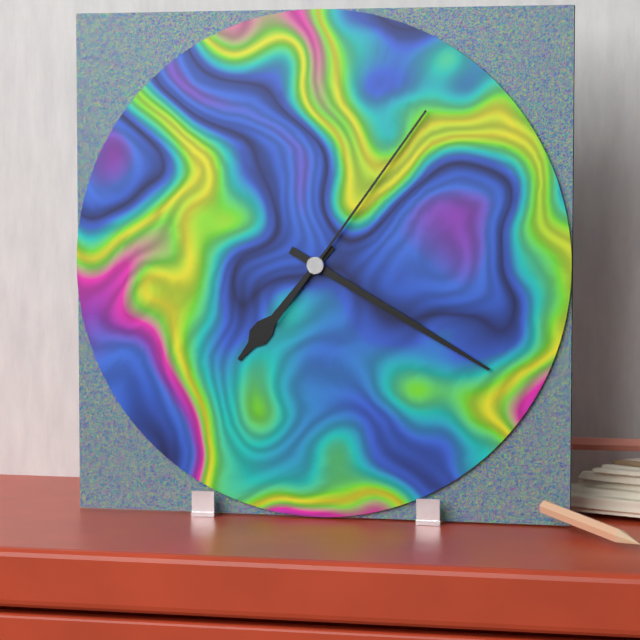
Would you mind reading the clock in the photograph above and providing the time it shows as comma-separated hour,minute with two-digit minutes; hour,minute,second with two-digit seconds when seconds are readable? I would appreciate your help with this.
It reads 7,20,06
